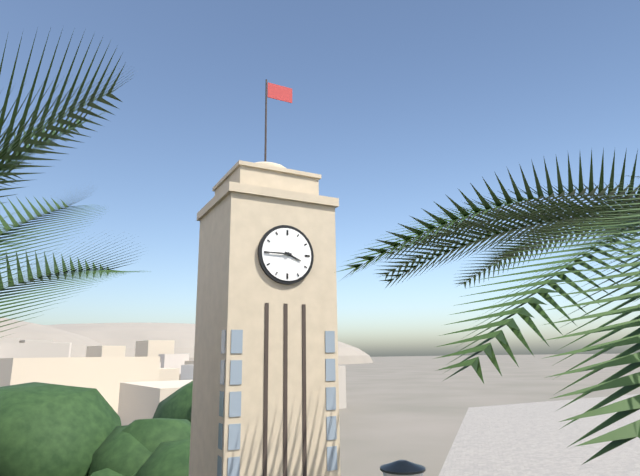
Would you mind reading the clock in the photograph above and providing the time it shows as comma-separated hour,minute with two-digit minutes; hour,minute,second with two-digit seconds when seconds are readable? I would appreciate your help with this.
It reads 3,45
